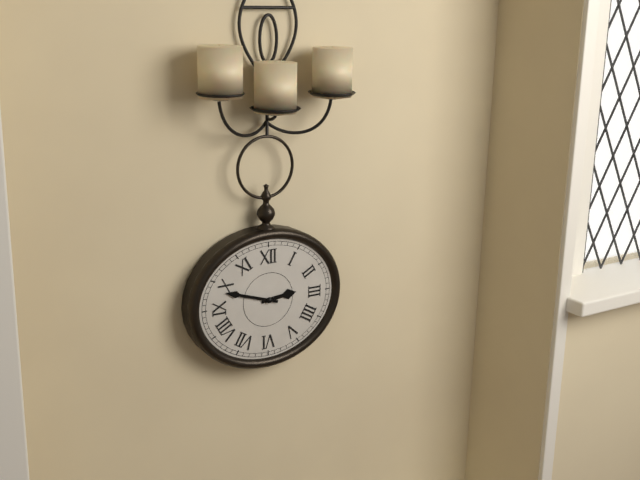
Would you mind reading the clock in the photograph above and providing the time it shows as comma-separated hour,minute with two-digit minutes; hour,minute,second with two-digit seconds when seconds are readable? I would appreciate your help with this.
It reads 2,48
